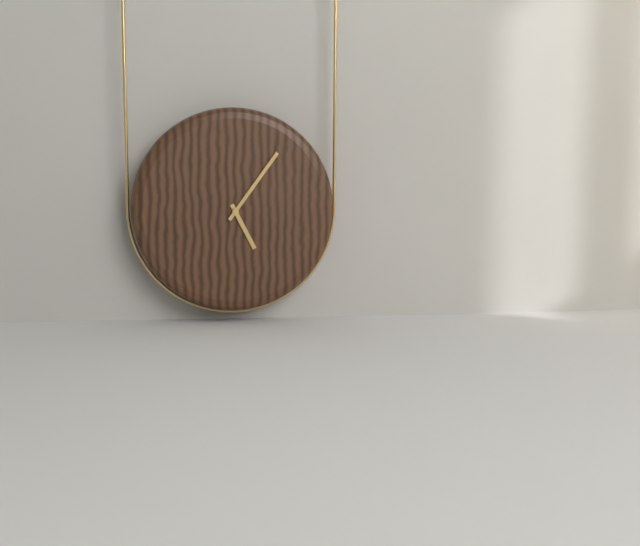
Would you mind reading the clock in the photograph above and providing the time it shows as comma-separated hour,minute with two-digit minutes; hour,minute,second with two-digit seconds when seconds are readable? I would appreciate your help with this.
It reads 5,06
